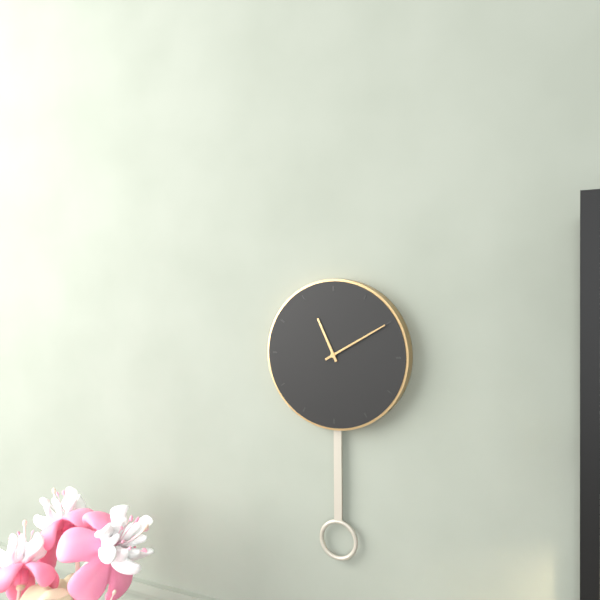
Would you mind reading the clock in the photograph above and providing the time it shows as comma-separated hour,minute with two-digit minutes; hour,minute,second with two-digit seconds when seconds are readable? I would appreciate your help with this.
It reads 11,10
